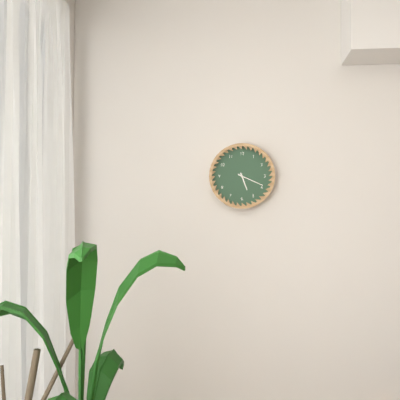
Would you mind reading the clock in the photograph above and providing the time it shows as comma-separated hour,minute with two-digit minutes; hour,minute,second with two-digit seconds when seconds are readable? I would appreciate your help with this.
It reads 5,19
